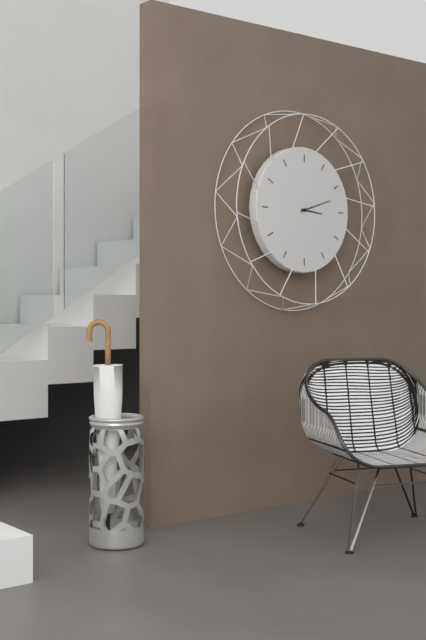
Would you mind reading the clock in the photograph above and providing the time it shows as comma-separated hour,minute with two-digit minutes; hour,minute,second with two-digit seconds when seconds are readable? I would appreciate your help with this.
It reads 3,12
